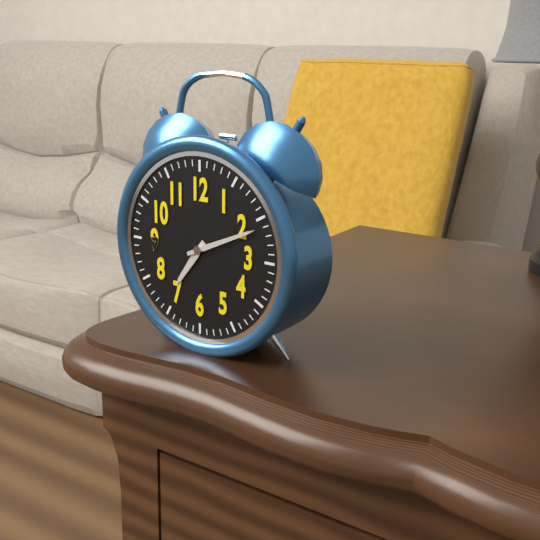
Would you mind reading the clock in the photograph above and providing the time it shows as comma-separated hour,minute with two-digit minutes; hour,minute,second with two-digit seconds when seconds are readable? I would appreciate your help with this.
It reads 7,11
